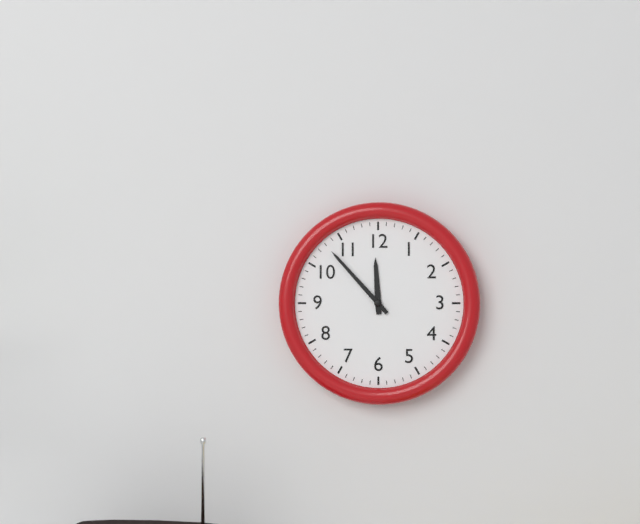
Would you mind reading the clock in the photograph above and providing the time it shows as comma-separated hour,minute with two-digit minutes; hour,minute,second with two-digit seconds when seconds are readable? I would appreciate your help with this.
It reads 11,53
